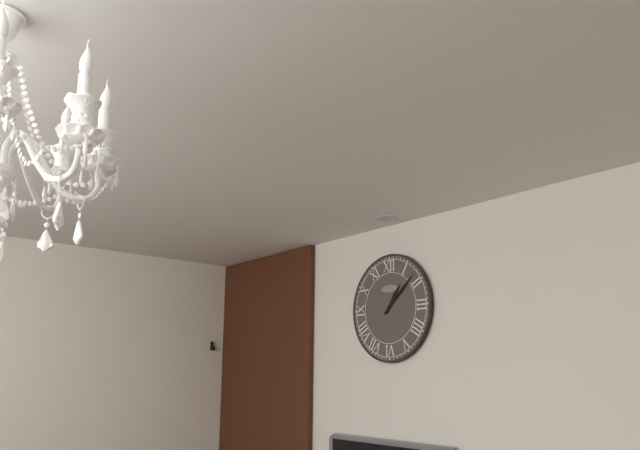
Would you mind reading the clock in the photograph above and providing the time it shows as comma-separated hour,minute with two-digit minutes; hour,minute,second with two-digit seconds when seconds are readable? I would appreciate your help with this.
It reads 1,08
